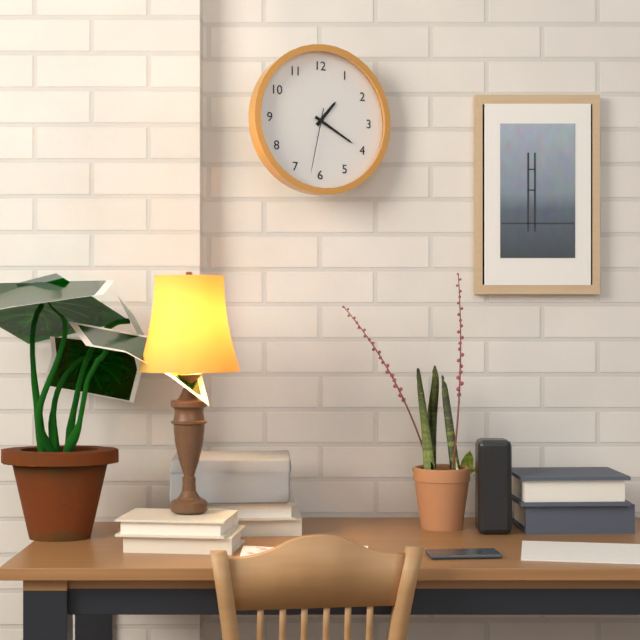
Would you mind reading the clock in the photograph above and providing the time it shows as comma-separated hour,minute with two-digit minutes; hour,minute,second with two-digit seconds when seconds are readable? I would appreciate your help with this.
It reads 1,20,32
